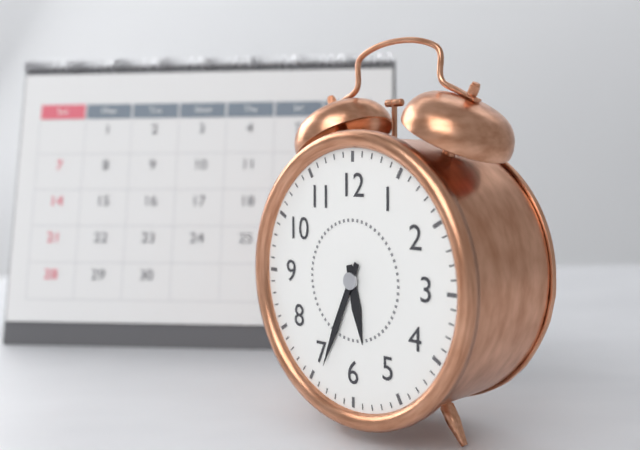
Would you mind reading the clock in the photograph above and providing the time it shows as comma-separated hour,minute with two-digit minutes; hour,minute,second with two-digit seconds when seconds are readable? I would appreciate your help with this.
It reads 5,34
